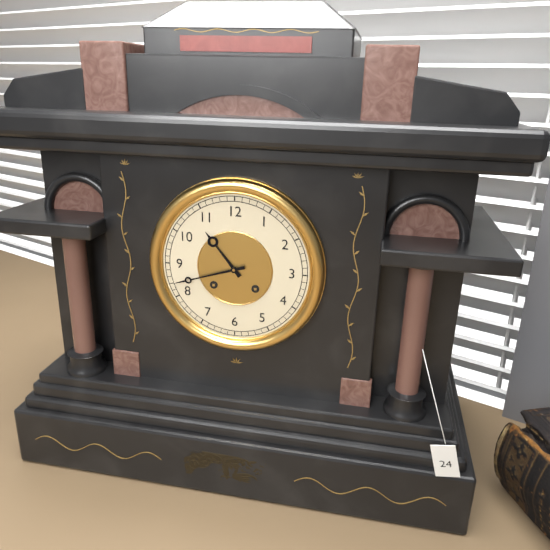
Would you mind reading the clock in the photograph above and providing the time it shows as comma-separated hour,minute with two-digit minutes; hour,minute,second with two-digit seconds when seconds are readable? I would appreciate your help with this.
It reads 10,42
